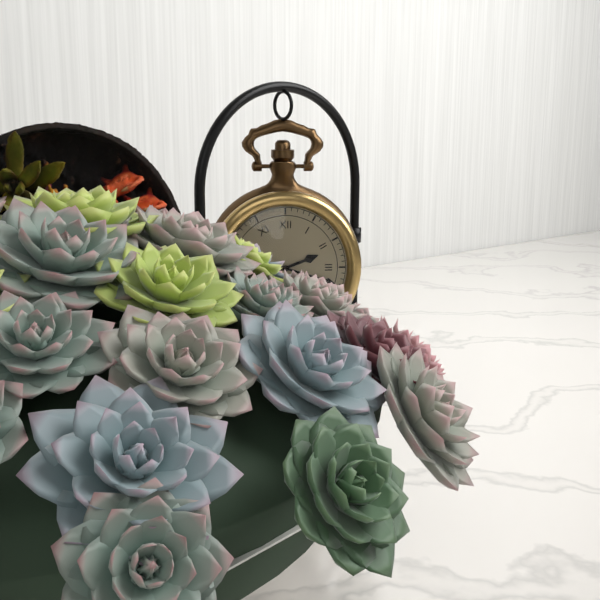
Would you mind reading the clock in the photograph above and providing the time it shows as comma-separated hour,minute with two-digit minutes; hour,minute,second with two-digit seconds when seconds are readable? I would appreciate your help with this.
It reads 2,18
